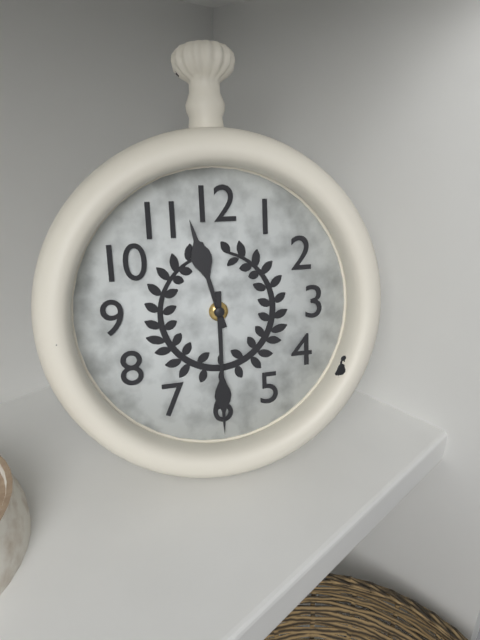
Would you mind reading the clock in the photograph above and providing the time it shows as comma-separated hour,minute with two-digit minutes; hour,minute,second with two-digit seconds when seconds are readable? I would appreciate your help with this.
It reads 11,30
